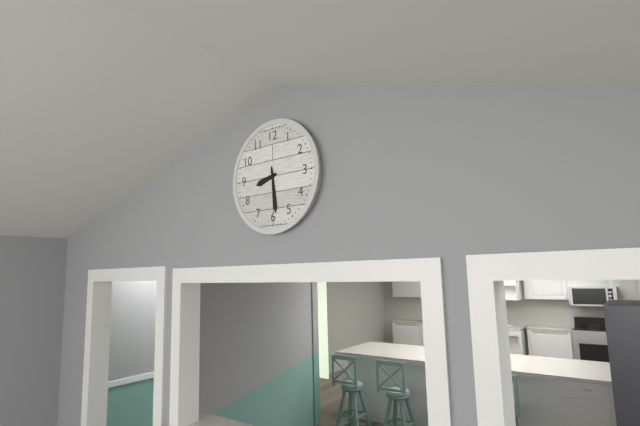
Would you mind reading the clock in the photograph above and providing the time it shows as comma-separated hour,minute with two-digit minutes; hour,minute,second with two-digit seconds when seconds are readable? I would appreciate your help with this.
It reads 8,29
